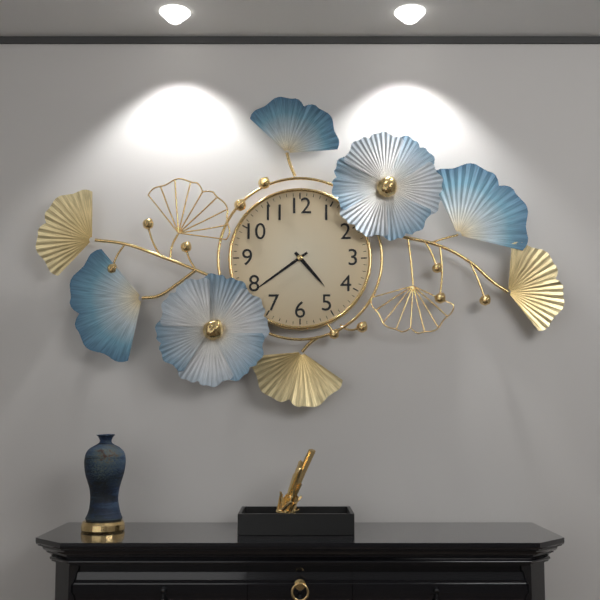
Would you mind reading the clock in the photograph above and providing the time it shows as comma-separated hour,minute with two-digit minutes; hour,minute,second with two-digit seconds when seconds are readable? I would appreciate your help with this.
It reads 4,39
